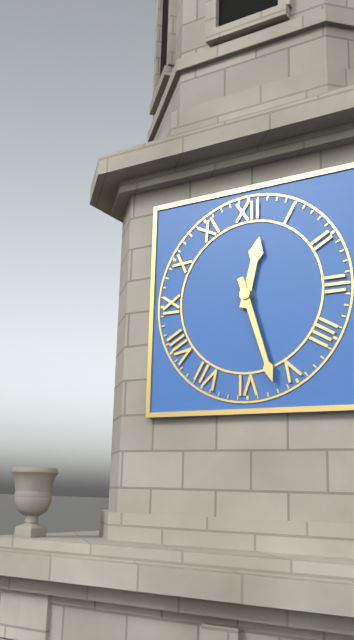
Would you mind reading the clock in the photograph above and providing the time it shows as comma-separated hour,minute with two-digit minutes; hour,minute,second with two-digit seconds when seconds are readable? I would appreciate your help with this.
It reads 12,27
